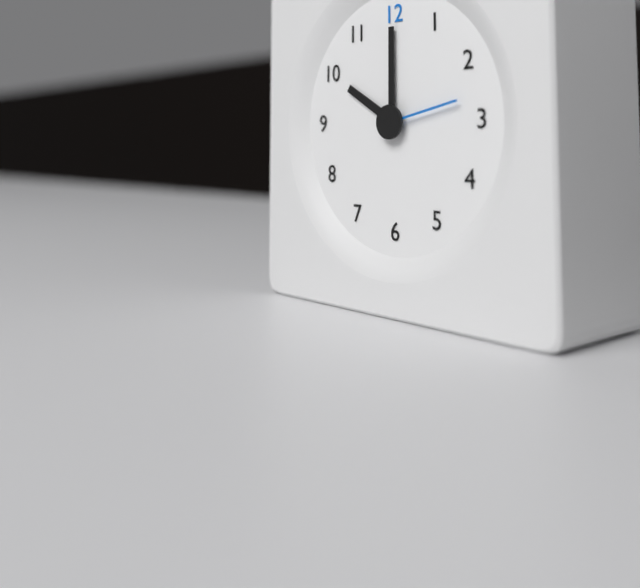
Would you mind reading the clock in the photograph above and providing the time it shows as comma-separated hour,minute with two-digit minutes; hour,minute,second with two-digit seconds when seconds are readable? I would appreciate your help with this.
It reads 10,00,13
